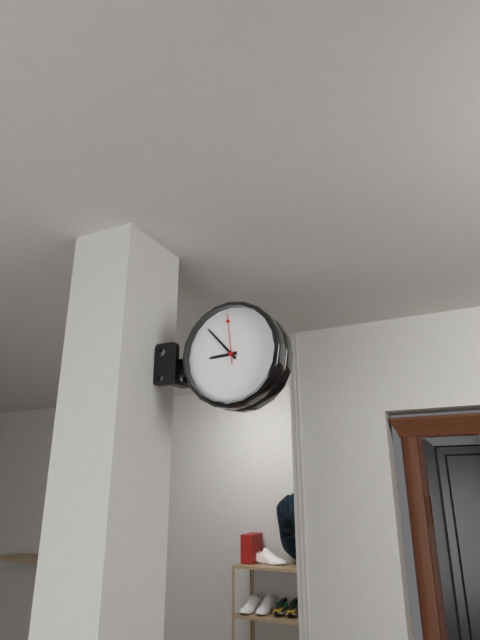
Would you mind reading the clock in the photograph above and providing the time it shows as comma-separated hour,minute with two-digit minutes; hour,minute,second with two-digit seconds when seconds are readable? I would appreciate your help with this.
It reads 8,53,59
